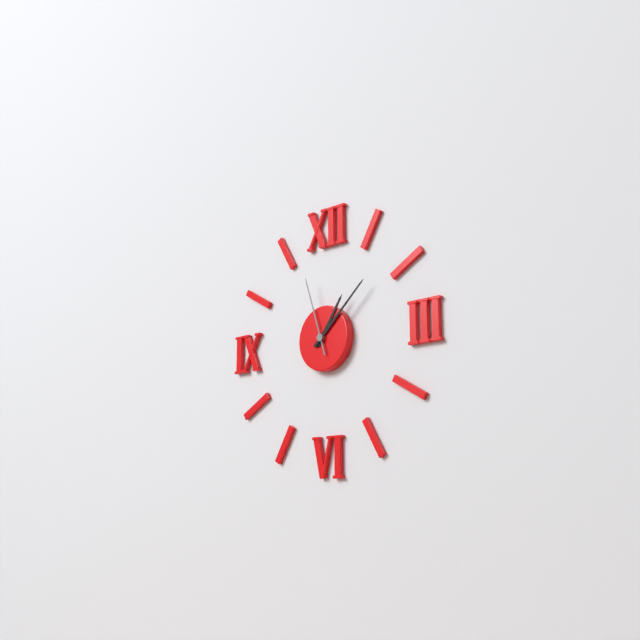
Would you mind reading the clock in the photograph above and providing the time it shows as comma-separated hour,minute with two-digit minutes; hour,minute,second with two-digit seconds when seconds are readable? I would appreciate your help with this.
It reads 1,08,57
